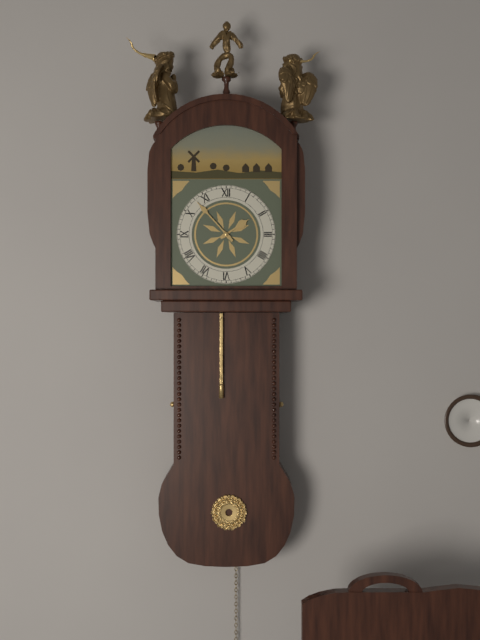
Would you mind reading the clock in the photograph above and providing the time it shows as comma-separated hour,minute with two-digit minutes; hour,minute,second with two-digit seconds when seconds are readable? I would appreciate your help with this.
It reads 1,53
